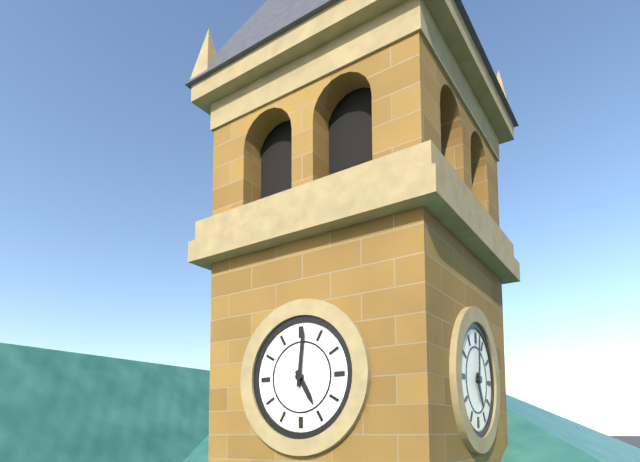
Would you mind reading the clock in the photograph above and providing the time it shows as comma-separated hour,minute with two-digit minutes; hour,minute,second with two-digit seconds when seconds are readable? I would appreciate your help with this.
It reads 5,01
